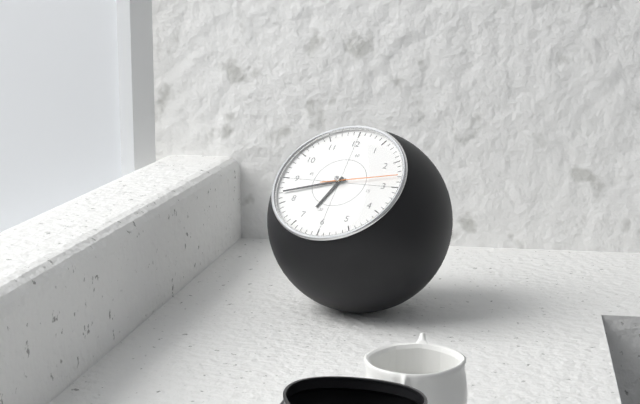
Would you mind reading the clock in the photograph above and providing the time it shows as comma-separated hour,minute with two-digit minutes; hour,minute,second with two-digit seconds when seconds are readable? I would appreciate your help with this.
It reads 6,42,13
